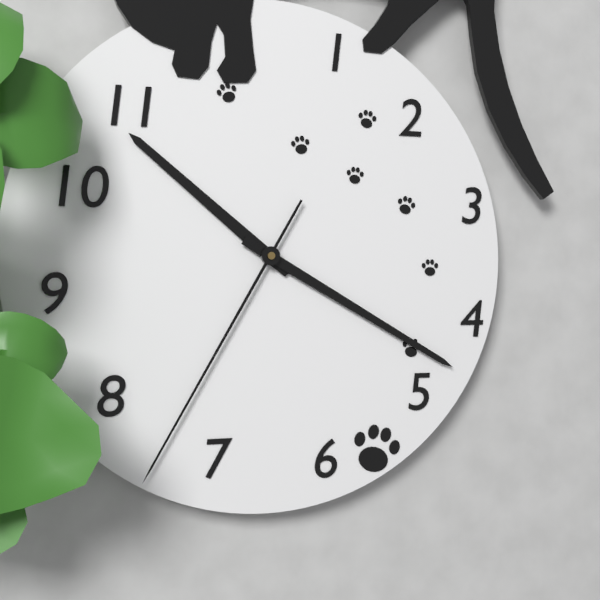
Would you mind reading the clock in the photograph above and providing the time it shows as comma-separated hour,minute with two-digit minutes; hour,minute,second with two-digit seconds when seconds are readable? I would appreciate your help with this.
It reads 10,20,35
